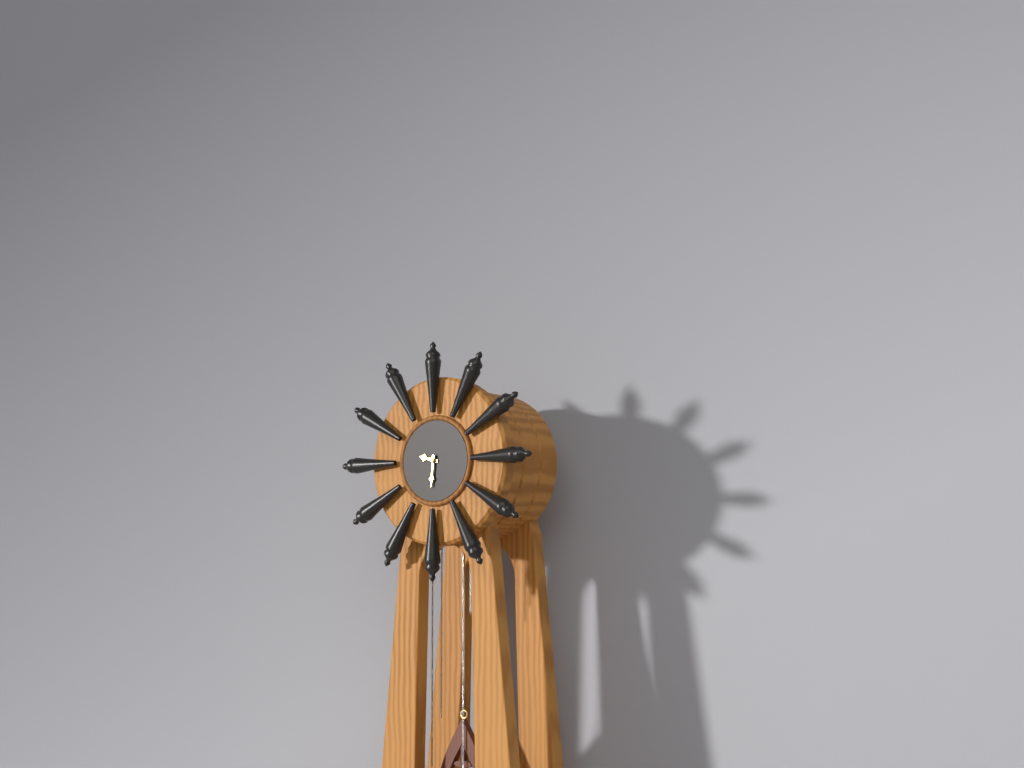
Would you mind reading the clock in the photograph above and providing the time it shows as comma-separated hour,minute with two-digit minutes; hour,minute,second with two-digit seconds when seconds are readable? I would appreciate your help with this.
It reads 9,31
